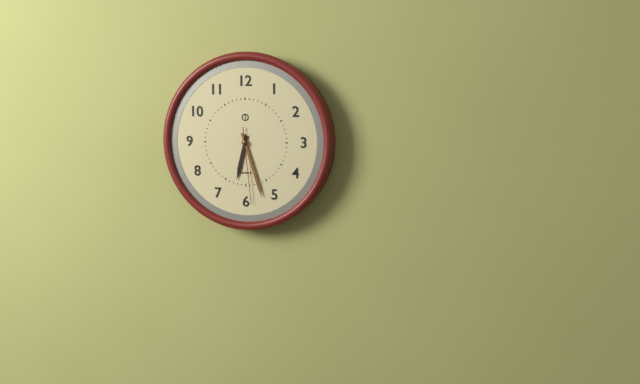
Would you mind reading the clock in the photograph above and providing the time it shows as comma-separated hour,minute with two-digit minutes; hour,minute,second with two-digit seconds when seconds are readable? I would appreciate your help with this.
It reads 6,27,29
